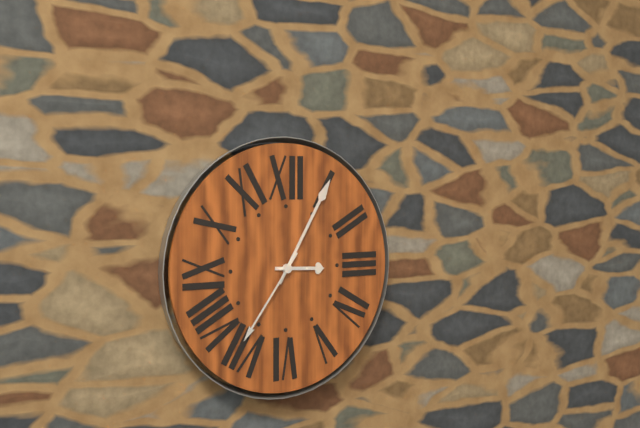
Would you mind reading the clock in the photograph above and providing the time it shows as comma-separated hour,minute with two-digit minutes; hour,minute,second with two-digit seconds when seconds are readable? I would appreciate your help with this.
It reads 3,05,36
